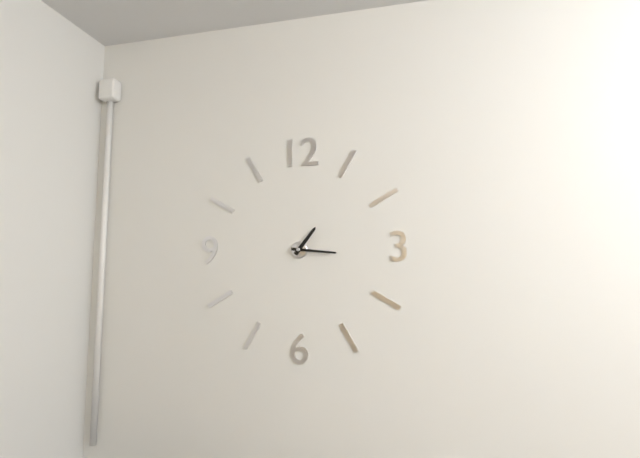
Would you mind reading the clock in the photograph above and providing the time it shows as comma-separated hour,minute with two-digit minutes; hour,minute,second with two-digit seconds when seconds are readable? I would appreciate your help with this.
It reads 1,16
